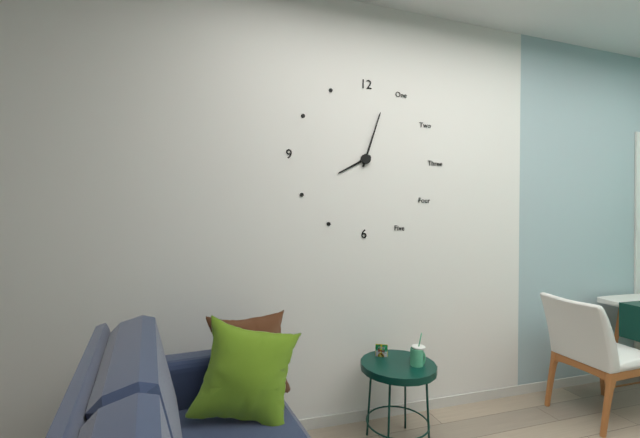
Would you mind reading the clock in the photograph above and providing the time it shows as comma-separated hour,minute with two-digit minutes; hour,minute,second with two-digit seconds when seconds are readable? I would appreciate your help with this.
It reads 8,03
